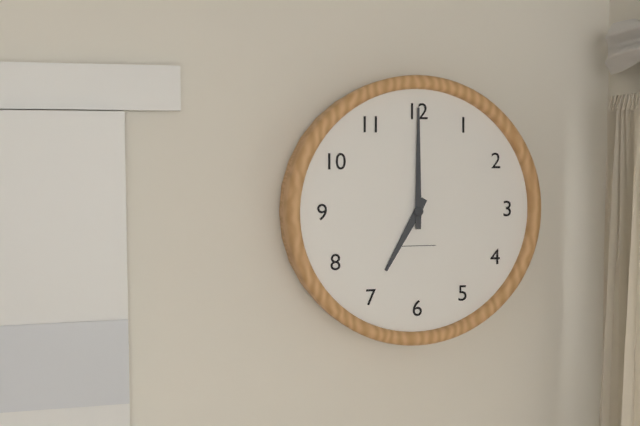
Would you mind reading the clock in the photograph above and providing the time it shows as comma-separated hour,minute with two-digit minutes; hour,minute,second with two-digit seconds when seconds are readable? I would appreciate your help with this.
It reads 7,00
